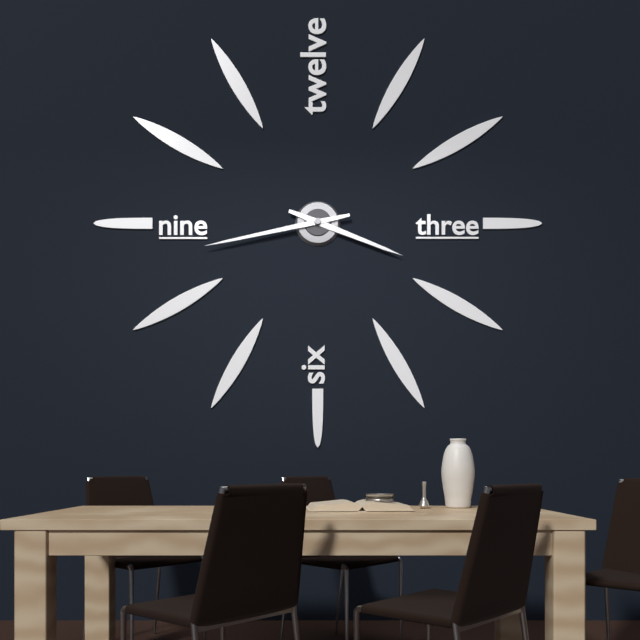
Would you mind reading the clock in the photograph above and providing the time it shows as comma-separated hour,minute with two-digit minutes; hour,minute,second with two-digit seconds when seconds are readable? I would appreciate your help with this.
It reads 3,43
